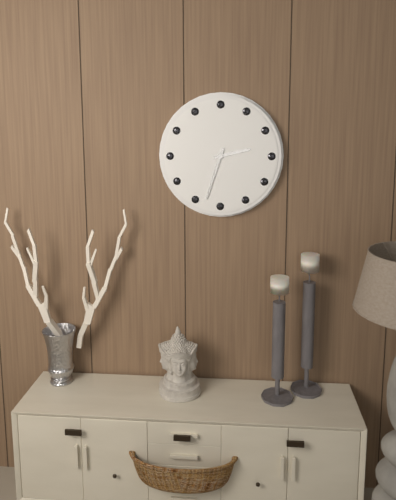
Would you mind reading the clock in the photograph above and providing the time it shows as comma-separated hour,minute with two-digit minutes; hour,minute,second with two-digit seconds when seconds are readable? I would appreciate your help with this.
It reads 2,33
